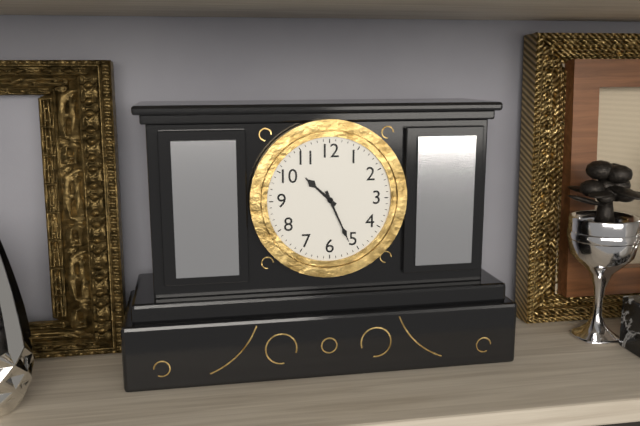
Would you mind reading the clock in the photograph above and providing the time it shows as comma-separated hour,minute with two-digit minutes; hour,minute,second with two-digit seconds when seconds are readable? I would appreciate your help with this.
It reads 10,26
